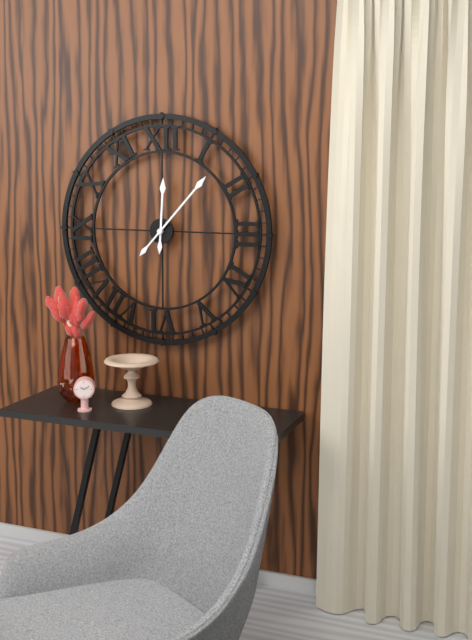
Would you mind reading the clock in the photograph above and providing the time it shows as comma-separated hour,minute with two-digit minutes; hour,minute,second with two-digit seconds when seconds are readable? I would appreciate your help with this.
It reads 12,07
